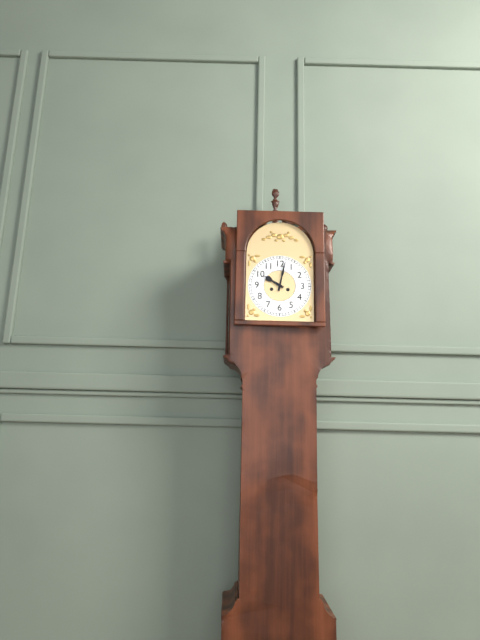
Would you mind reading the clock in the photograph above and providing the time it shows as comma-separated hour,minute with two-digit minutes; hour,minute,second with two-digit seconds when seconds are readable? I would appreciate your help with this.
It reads 10,02
